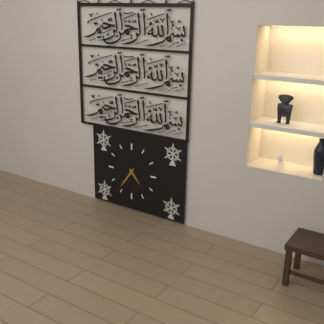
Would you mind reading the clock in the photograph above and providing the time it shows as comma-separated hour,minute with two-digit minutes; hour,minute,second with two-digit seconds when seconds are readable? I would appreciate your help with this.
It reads 4,36
